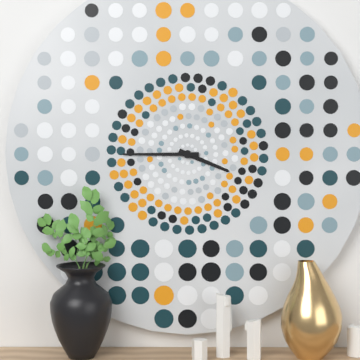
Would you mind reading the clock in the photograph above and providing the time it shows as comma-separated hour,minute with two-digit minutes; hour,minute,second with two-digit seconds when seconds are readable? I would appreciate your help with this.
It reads 3,45
